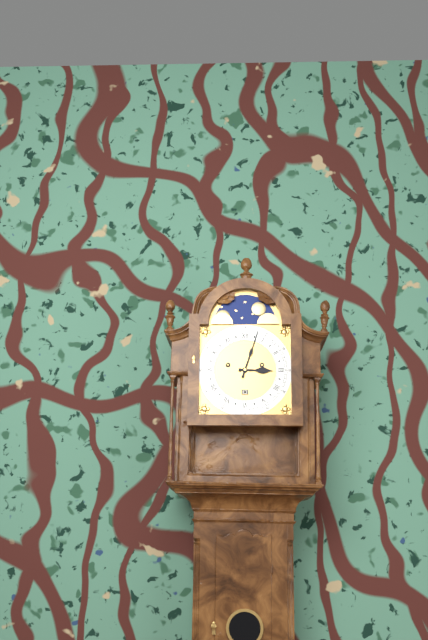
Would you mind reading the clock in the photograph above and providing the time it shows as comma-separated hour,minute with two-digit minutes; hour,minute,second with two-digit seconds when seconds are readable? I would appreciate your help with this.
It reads 3,03
